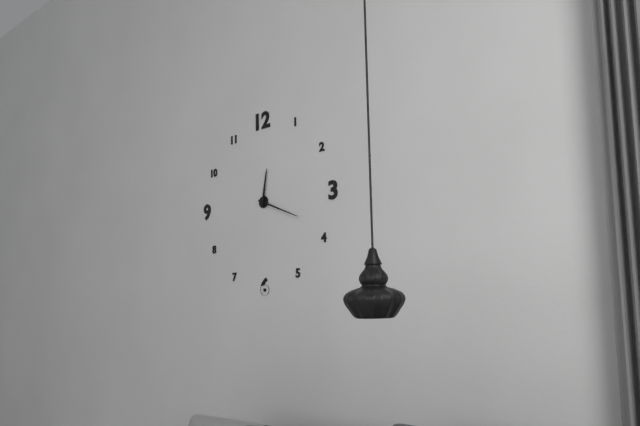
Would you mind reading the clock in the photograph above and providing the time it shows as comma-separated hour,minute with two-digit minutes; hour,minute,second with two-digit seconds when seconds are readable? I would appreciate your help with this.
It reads 12,19
